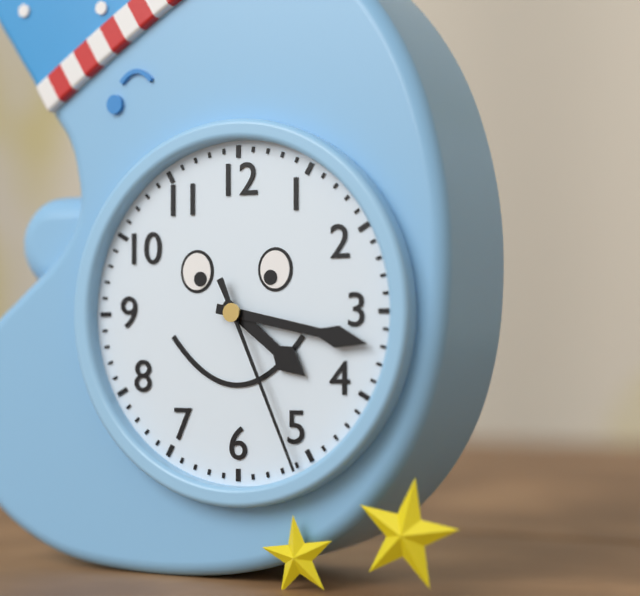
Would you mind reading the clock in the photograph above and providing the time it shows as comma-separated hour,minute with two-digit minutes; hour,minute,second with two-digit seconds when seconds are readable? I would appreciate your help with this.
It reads 4,17,26
